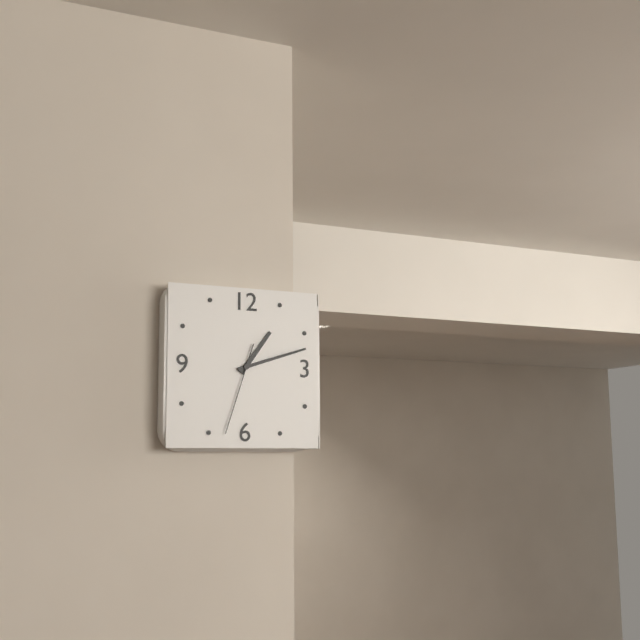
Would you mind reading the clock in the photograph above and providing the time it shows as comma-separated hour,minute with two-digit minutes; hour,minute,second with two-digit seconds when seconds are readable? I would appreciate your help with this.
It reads 1,12,33
